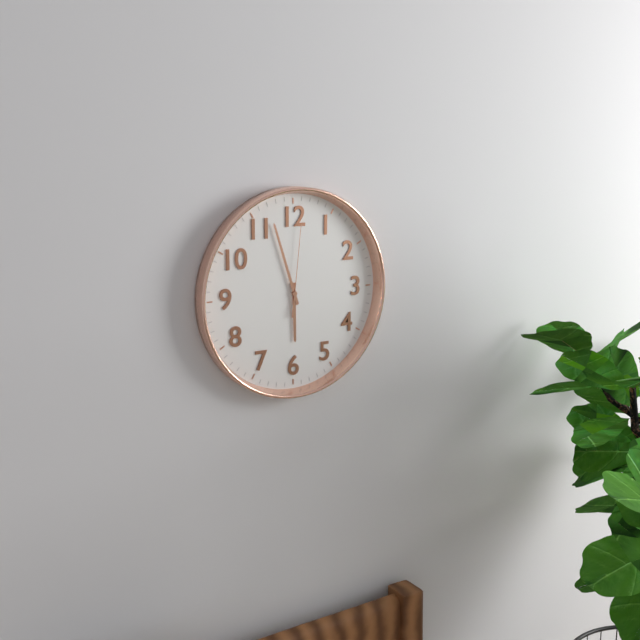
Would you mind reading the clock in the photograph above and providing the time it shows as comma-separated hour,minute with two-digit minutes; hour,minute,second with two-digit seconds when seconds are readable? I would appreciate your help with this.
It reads 5,57,01
